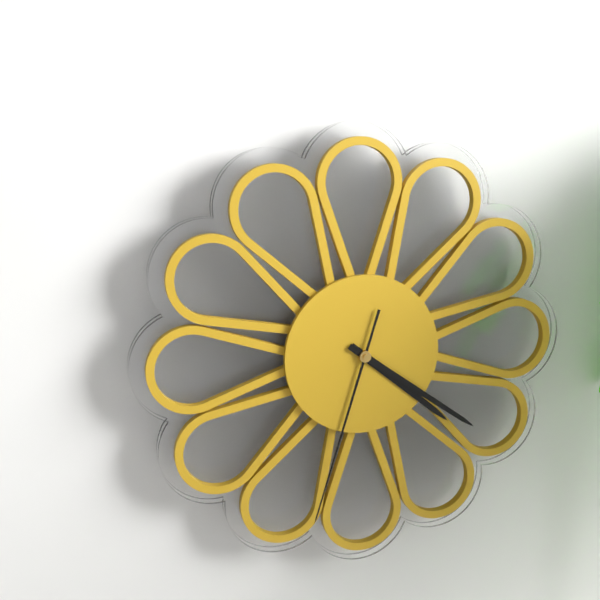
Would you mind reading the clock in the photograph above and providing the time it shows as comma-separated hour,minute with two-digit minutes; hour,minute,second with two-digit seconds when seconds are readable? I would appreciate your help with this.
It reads 4,21,33
